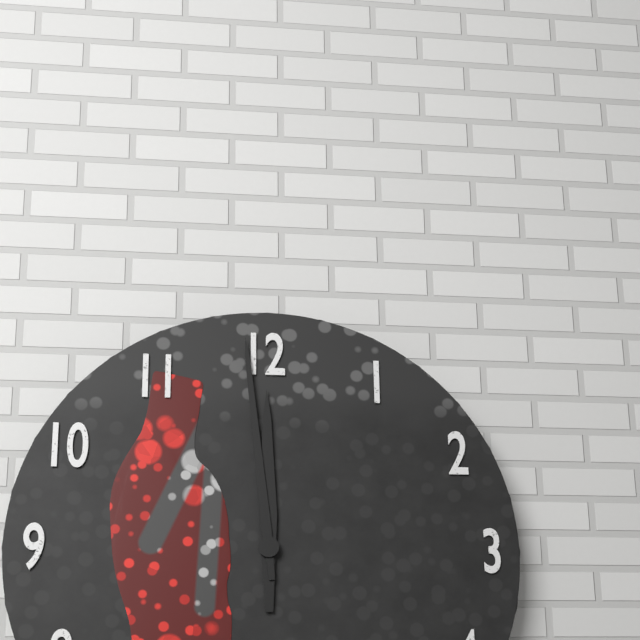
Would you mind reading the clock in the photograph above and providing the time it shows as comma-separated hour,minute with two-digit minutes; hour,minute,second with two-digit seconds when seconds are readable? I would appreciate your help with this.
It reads 11,59
